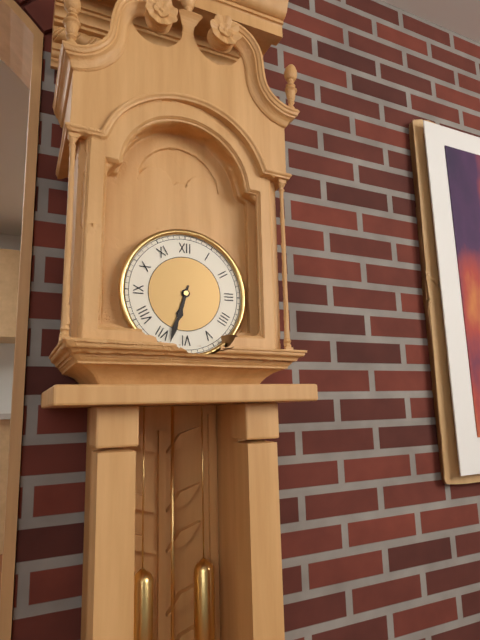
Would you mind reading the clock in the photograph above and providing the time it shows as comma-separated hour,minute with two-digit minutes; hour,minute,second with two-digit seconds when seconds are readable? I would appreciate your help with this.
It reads 6,33
